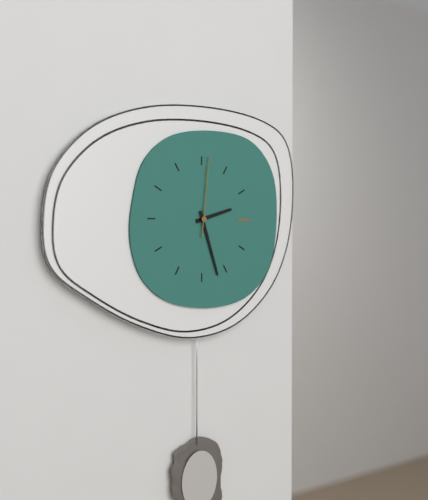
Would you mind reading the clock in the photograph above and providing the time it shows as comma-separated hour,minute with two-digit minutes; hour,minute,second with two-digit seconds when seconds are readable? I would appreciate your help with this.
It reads 2,27,01
